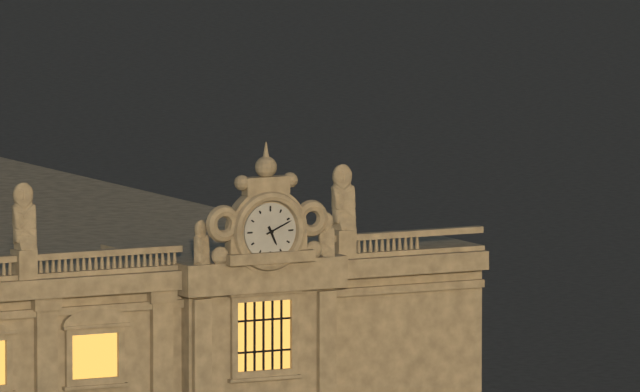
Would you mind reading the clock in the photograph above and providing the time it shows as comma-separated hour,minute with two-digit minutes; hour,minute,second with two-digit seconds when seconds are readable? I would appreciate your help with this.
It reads 5,11
